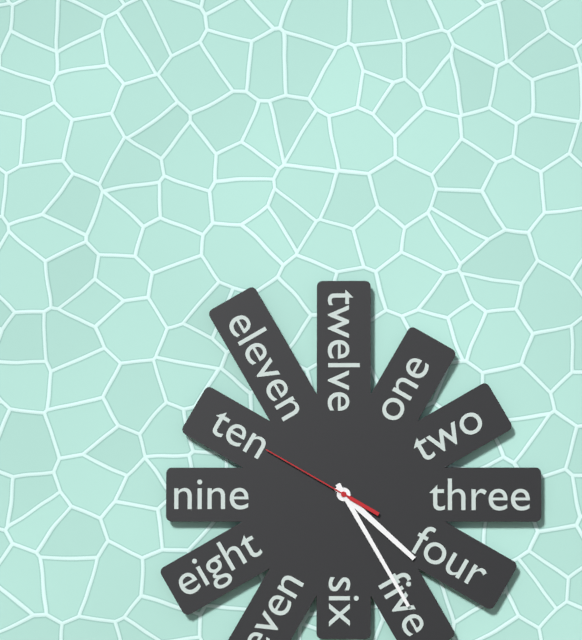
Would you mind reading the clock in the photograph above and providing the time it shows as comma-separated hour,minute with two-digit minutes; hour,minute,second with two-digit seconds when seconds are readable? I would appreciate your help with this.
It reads 4,25,50
